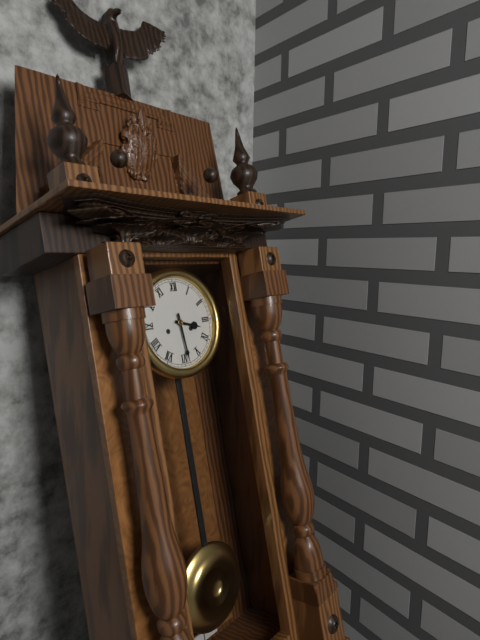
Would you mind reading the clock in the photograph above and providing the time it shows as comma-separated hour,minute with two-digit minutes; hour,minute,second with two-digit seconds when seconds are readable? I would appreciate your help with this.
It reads 3,29
